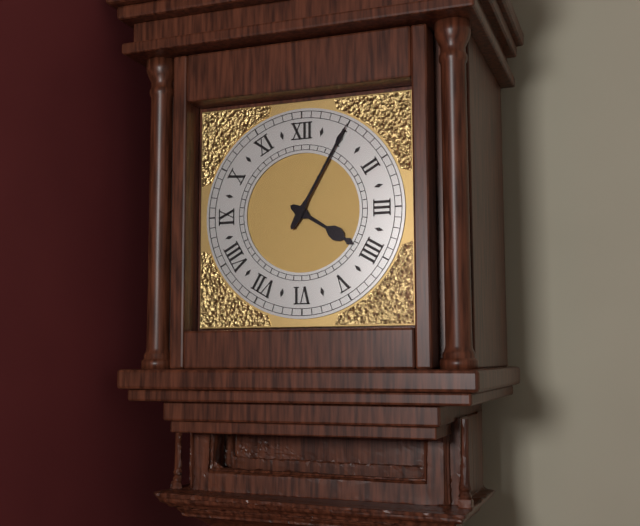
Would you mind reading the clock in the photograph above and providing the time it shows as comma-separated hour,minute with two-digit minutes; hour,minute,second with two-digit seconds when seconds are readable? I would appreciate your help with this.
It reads 4,05
